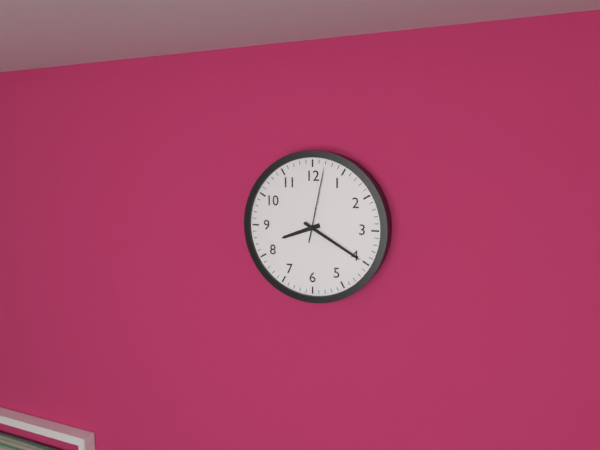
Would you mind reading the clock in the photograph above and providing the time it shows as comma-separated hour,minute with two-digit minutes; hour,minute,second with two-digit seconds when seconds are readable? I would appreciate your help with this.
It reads 8,20,02
